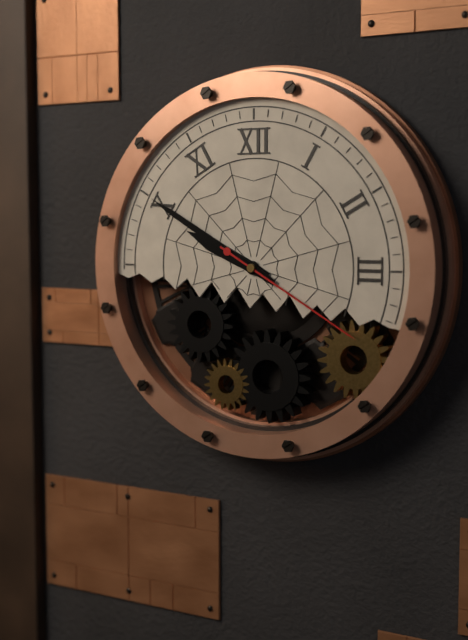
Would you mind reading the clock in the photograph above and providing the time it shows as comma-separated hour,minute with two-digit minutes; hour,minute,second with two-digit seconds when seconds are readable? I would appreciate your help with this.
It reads 9,50,20
